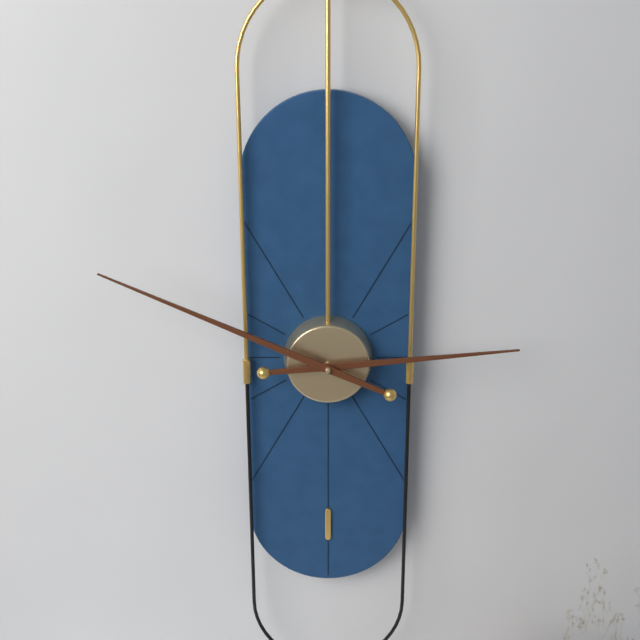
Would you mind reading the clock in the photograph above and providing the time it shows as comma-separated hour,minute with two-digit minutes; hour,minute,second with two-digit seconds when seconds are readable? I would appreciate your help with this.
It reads 2,49
